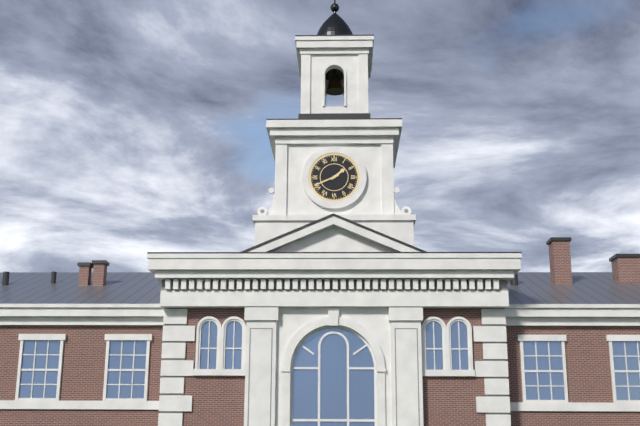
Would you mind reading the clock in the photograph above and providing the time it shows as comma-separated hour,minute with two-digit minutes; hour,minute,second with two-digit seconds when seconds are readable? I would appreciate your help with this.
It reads 1,41
